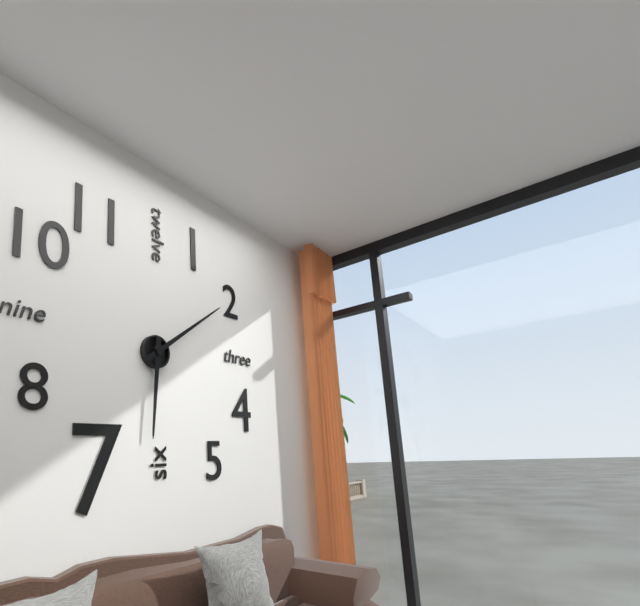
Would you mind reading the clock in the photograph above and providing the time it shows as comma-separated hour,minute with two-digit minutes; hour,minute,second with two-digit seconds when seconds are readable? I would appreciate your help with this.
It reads 6,09
